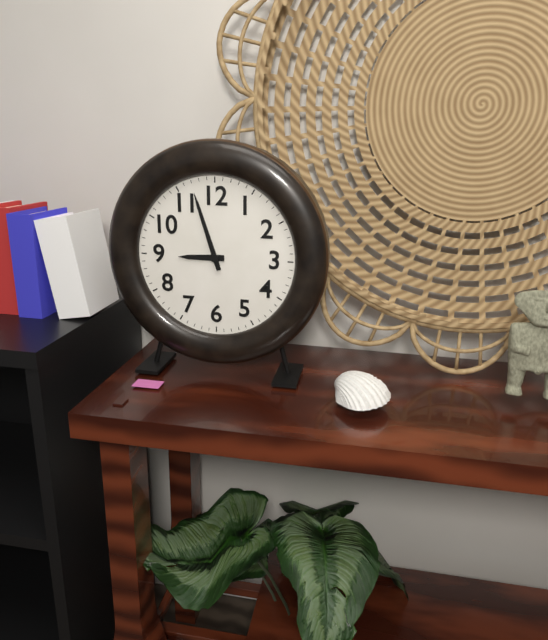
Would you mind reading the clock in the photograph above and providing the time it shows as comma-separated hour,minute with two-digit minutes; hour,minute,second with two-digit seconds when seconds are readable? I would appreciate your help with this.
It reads 8,57
